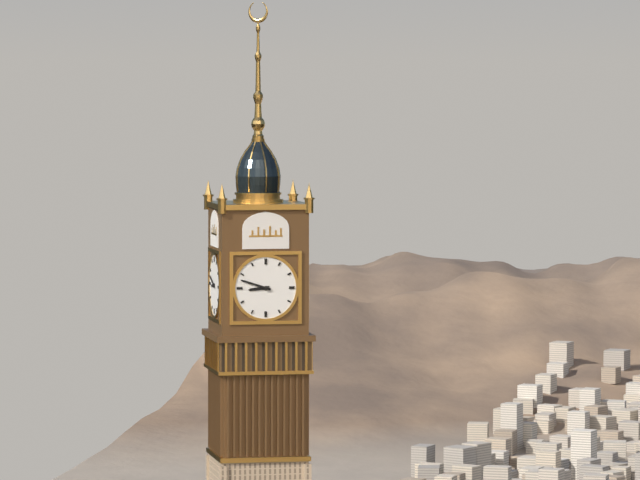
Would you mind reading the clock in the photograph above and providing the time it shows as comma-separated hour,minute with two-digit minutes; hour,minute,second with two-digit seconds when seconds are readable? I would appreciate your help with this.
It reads 8,48
